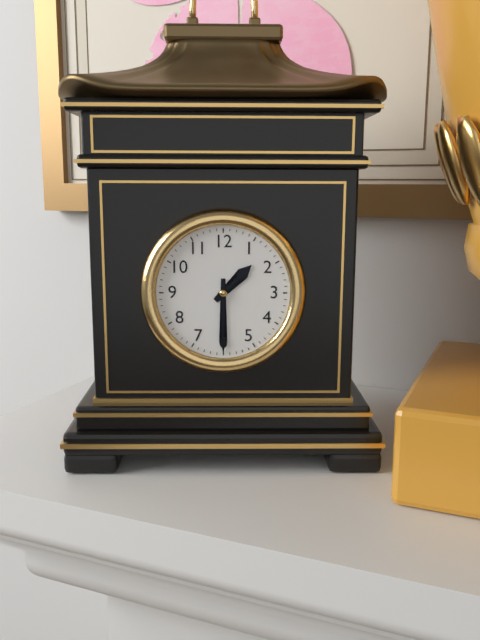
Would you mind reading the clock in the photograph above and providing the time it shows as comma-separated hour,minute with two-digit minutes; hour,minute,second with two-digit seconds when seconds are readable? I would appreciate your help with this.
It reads 1,30
